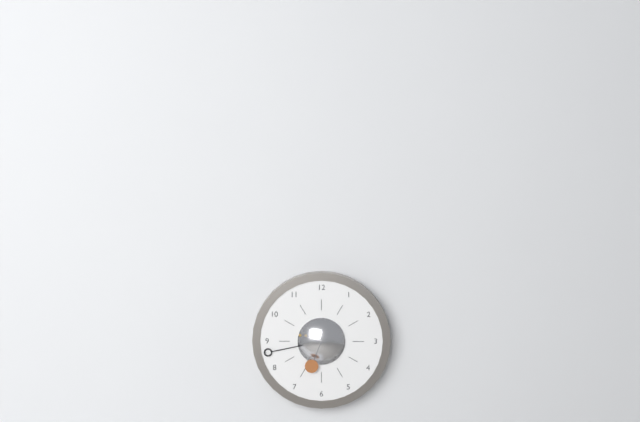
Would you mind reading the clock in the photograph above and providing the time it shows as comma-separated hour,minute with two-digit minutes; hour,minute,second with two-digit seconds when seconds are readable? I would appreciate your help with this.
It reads 6,43
